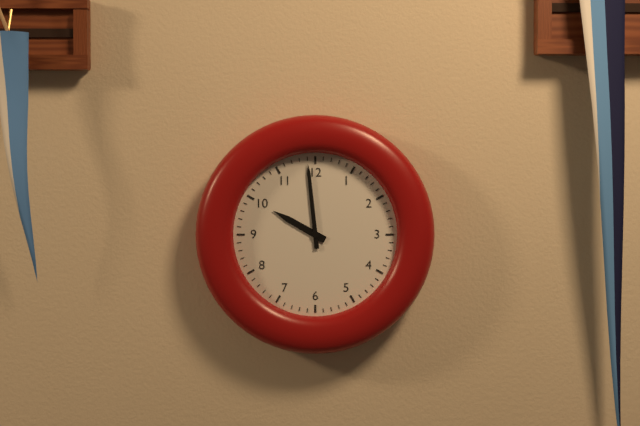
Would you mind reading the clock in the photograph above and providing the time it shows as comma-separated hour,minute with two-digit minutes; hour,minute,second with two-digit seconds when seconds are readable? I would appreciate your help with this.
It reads 9,59
